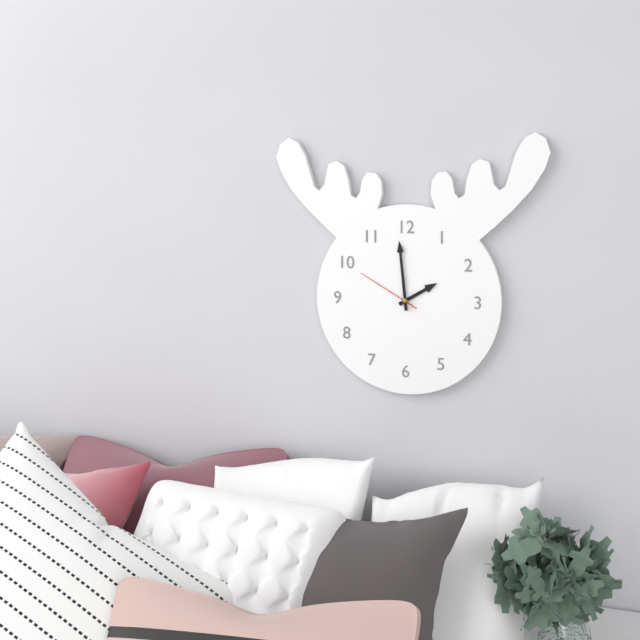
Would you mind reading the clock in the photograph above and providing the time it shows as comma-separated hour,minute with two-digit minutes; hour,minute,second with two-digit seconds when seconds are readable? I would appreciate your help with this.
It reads 1,59,50
